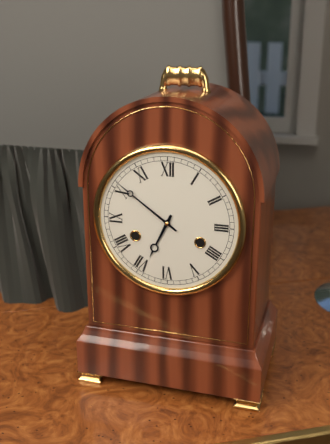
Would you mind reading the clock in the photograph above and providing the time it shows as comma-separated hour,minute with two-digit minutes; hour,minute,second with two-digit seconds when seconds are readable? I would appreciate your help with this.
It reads 6,51
